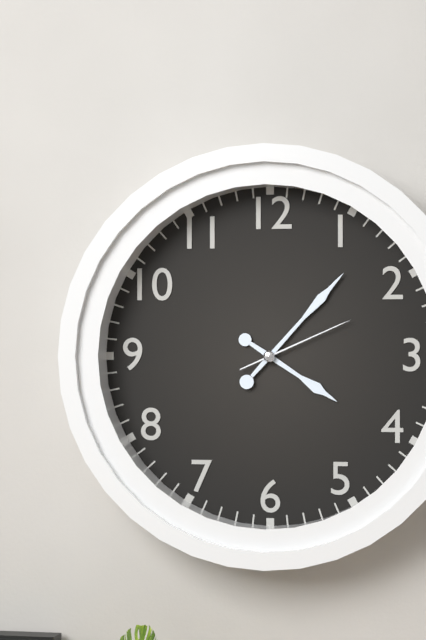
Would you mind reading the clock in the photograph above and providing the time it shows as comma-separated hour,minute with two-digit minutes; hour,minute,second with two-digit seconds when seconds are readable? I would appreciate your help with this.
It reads 4,07,11
